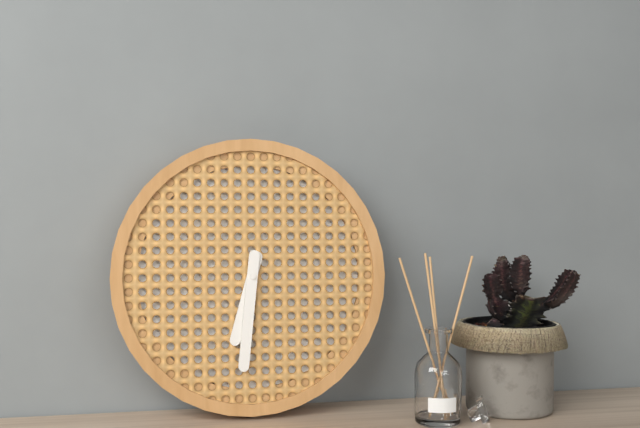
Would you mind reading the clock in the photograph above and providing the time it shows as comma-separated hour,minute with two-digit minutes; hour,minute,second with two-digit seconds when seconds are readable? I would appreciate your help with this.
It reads 6,31
